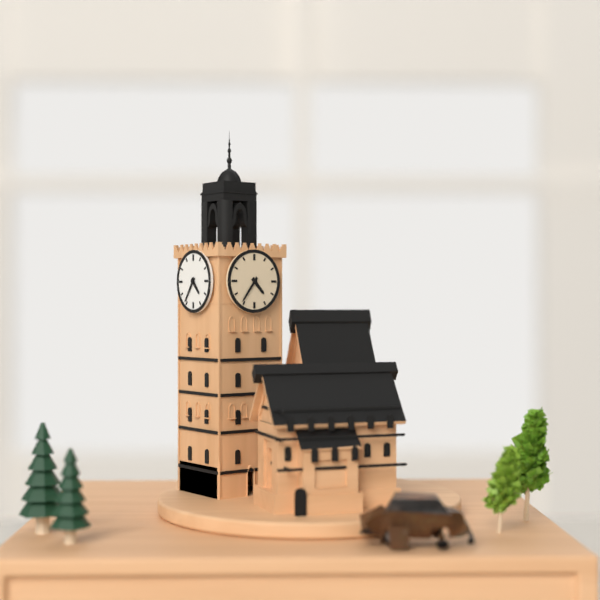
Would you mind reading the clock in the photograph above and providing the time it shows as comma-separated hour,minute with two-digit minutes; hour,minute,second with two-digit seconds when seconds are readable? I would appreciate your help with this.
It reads 4,36
